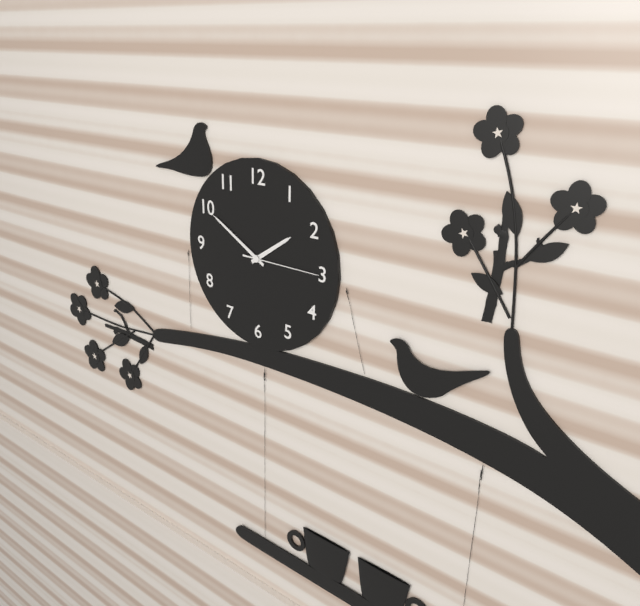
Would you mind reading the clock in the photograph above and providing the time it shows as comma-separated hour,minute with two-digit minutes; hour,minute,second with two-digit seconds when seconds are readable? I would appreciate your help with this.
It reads 1,50,15
